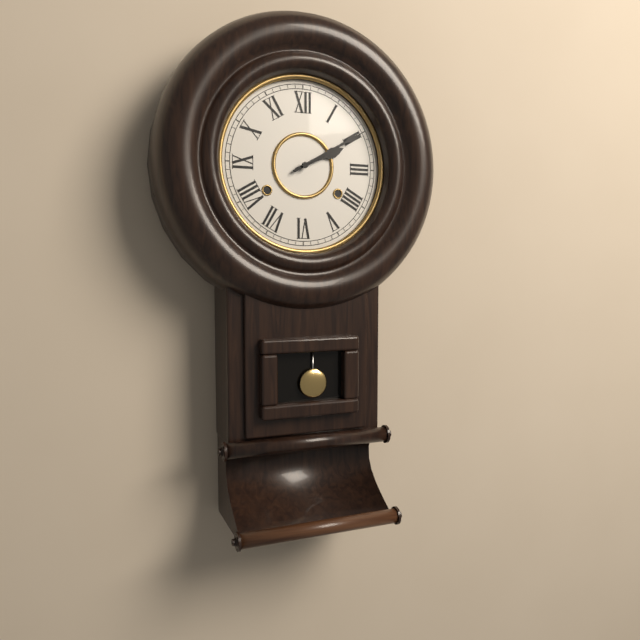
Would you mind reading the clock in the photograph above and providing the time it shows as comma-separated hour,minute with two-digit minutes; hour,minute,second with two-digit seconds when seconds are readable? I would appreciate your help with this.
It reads 2,10
